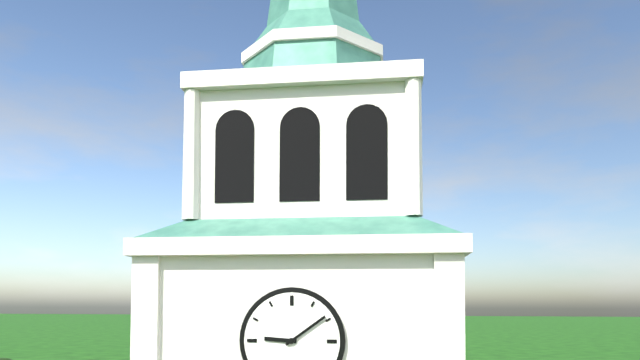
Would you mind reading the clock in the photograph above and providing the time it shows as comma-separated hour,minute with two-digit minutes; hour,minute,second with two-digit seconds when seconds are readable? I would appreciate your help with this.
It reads 9,09
